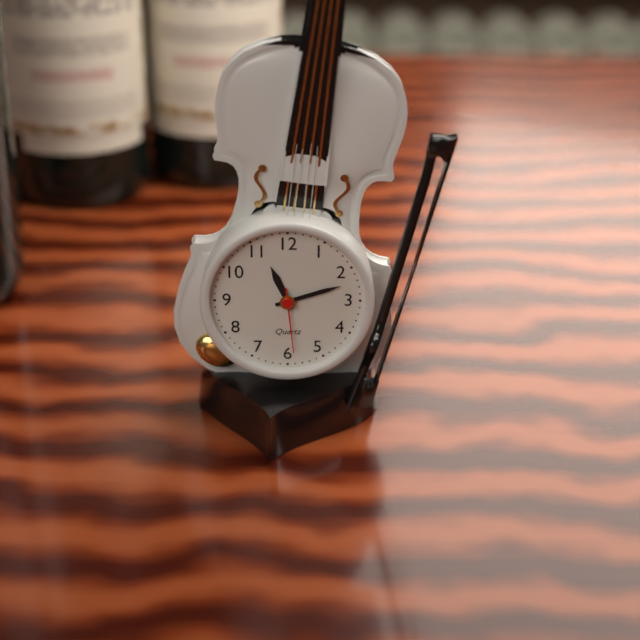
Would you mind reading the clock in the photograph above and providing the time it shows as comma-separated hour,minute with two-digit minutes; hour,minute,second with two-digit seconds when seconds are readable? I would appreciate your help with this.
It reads 11,12,29
